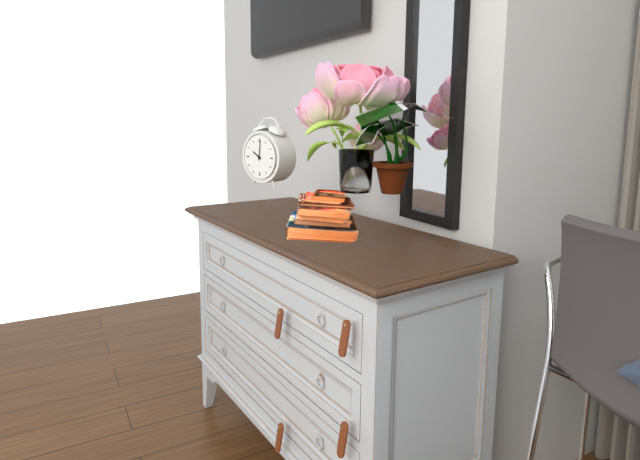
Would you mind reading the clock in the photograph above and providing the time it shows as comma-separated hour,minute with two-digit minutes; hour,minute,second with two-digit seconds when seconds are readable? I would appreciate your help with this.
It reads 10,01
